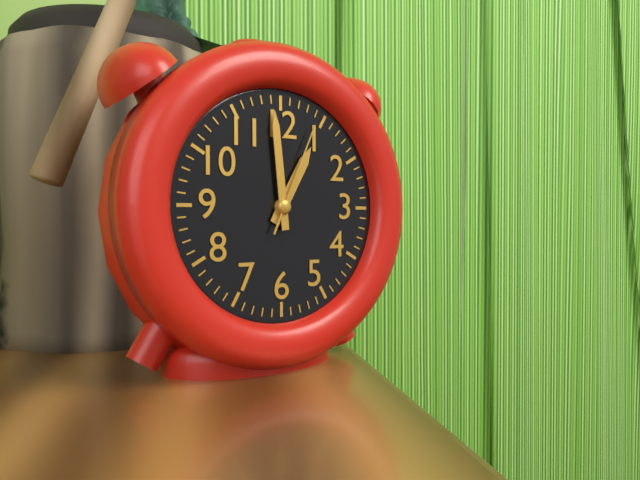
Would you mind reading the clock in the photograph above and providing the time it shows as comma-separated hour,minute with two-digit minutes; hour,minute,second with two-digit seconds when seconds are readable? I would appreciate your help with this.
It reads 12,59,04
